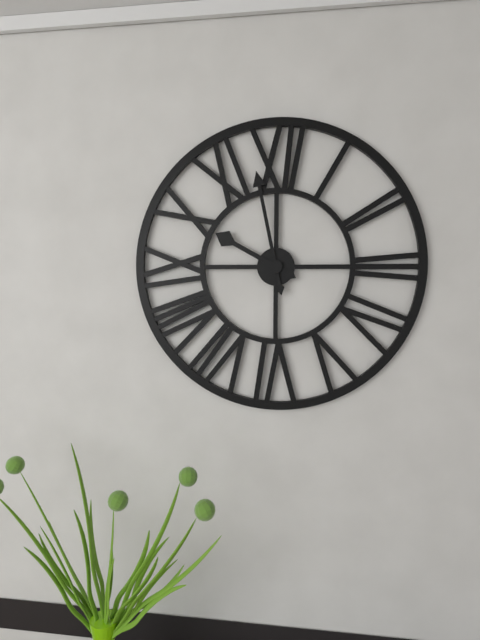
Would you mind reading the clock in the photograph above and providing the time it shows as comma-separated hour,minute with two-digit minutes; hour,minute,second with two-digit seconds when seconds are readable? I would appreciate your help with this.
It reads 9,58
